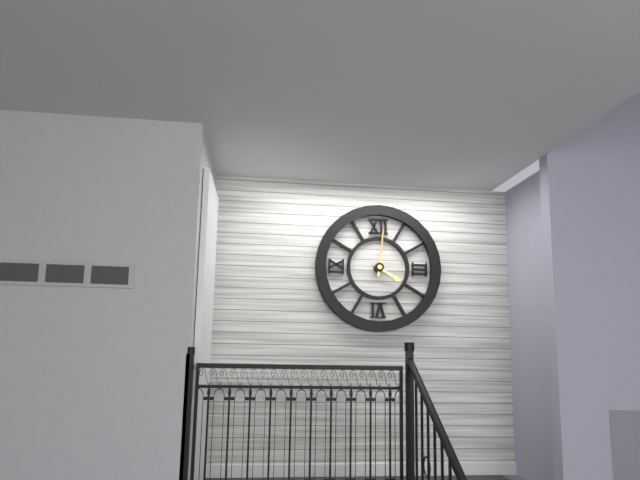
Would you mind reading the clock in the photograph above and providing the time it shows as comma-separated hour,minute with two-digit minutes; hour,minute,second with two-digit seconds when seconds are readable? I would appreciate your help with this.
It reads 4,01
